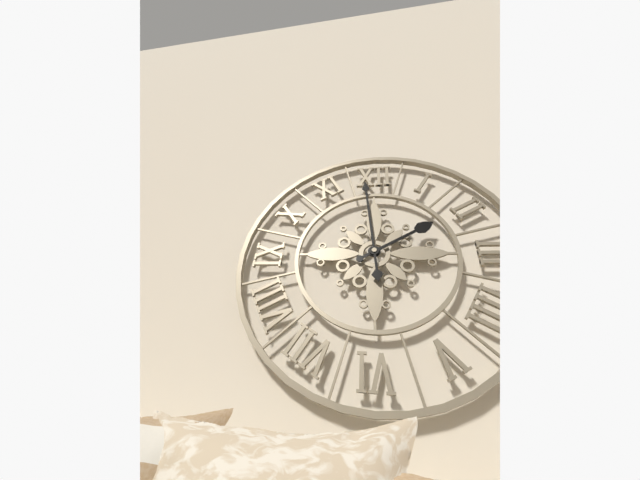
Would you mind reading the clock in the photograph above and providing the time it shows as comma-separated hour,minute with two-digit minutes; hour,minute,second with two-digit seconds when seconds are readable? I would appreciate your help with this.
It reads 1,59
